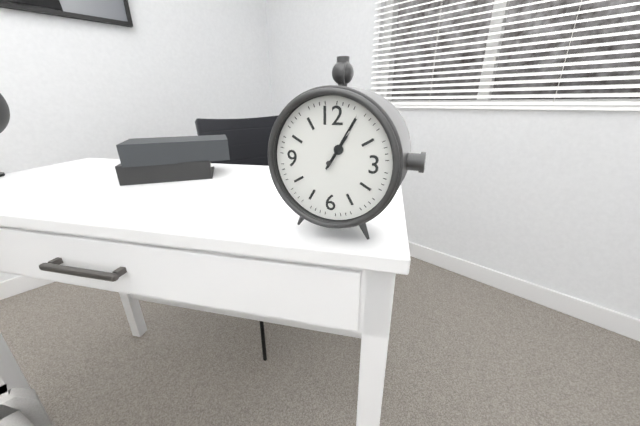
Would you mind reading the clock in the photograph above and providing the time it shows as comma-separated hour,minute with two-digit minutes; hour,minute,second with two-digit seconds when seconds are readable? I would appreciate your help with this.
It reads 1,05
